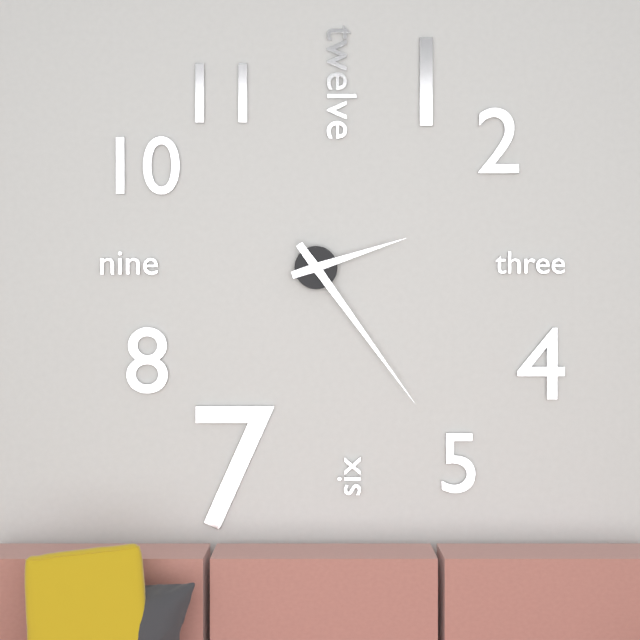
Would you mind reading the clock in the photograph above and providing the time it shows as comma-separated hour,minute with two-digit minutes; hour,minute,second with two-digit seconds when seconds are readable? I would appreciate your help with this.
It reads 2,24
